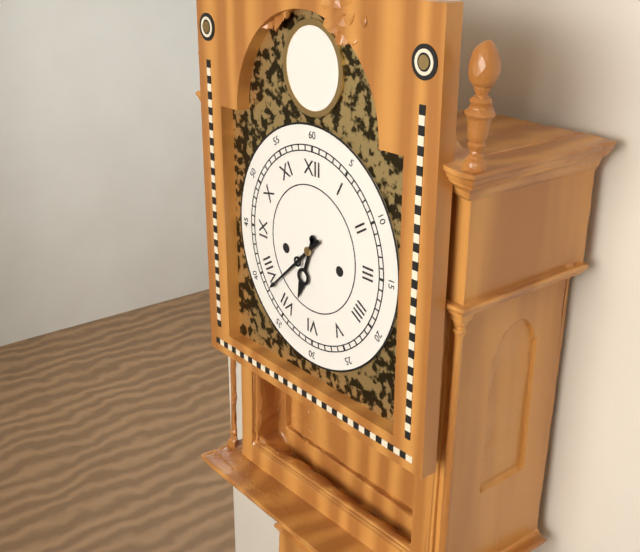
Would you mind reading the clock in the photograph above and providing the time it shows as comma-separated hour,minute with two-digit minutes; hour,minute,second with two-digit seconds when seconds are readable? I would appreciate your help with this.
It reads 6,38
